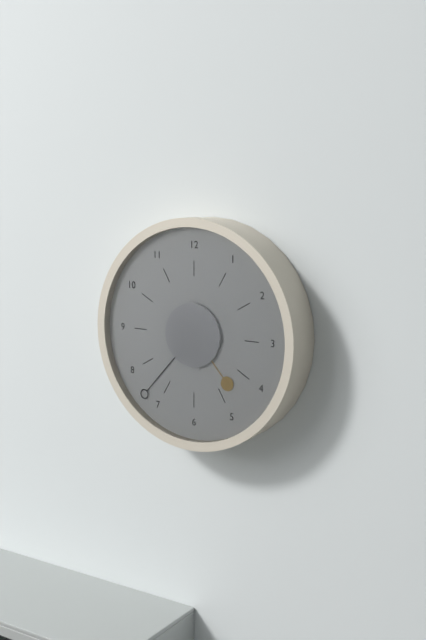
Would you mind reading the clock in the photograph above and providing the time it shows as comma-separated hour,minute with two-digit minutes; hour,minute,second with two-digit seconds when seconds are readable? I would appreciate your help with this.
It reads 4,37
